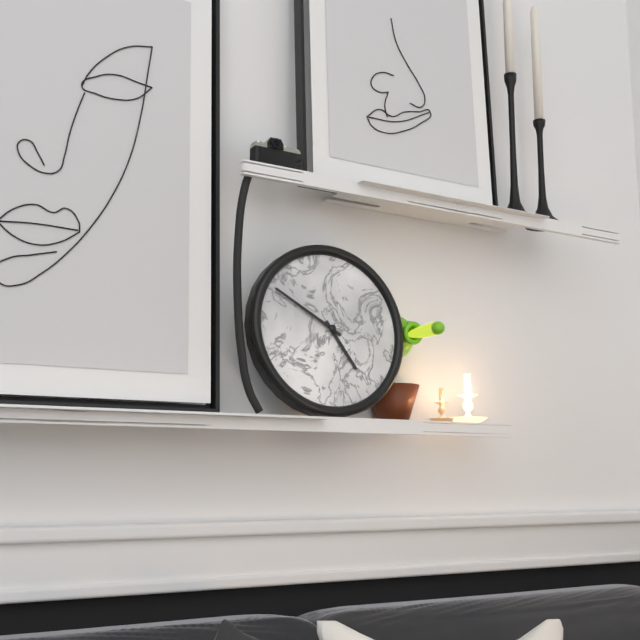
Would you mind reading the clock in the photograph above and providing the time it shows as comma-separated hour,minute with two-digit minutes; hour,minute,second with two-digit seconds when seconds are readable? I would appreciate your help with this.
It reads 4,50
